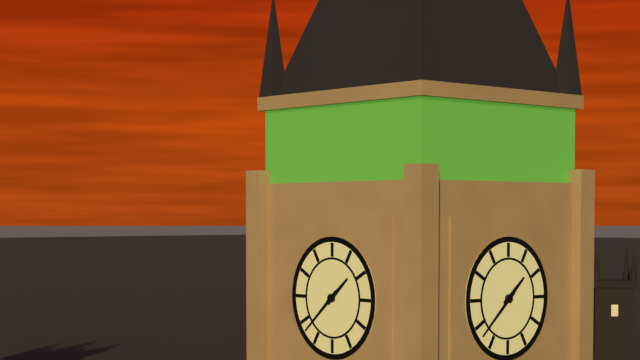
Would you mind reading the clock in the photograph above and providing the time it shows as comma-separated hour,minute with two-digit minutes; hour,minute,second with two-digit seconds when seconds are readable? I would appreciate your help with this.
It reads 1,38
